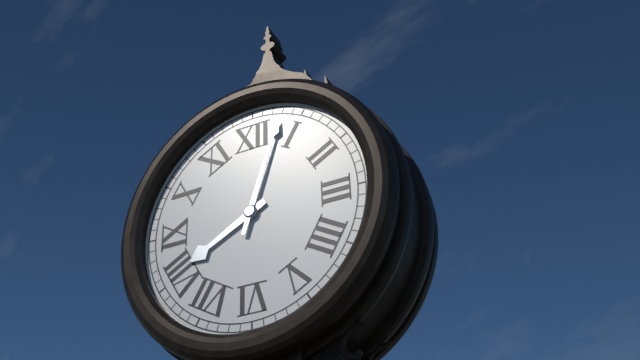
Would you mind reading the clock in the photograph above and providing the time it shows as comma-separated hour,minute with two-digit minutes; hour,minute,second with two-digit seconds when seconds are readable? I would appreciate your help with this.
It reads 8,03
